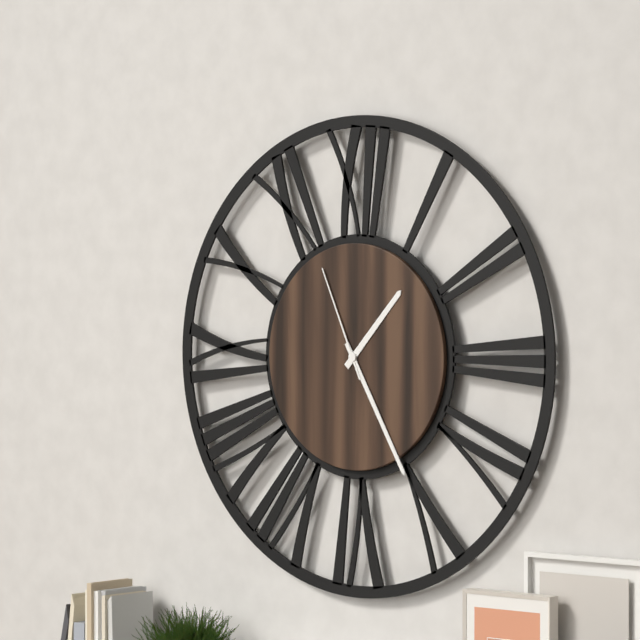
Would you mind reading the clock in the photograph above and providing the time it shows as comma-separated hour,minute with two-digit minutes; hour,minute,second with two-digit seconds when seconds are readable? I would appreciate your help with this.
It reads 1,25,56
